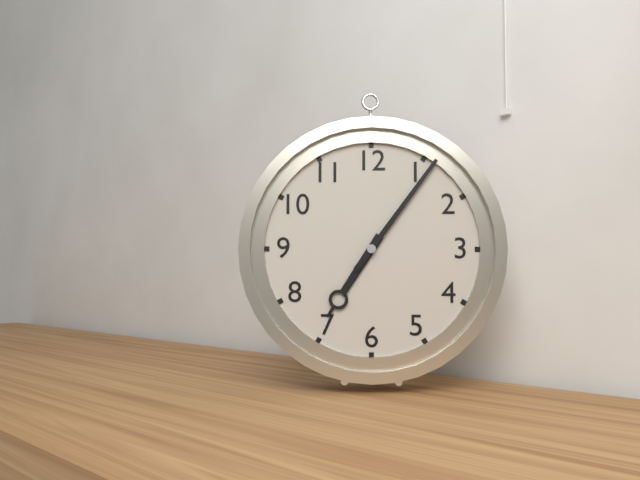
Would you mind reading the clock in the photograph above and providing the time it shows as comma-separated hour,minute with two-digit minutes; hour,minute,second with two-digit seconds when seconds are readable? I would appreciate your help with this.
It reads 7,06
